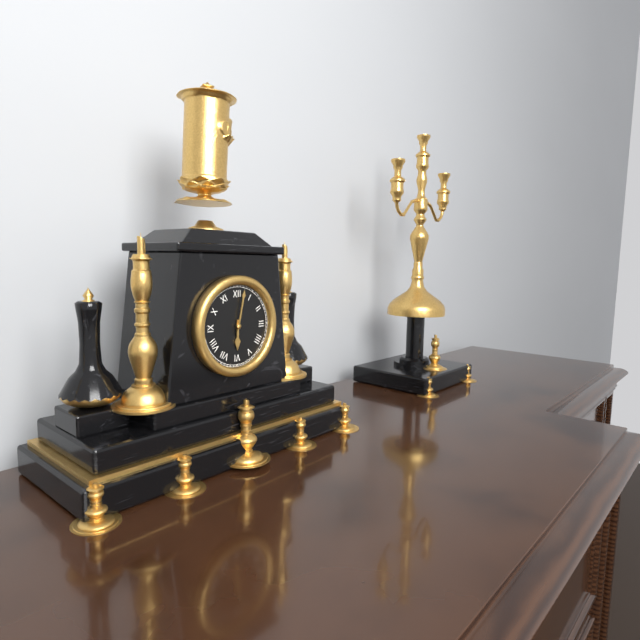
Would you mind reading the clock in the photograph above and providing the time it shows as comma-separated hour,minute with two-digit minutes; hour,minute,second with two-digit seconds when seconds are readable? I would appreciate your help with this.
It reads 6,02
